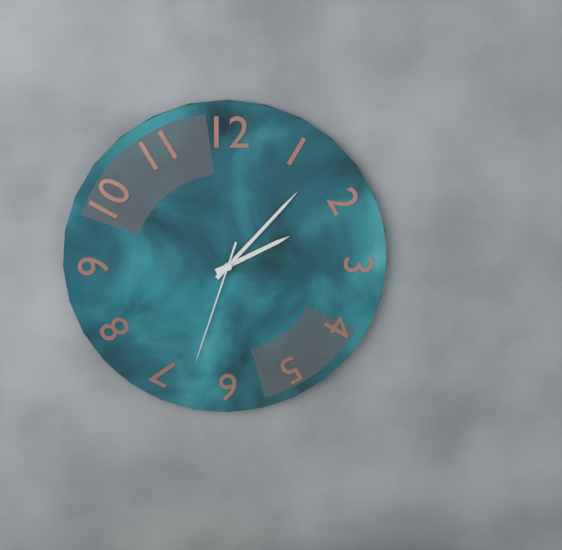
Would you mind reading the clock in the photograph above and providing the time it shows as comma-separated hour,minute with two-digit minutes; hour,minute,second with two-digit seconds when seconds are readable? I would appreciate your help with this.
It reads 2,07,33
